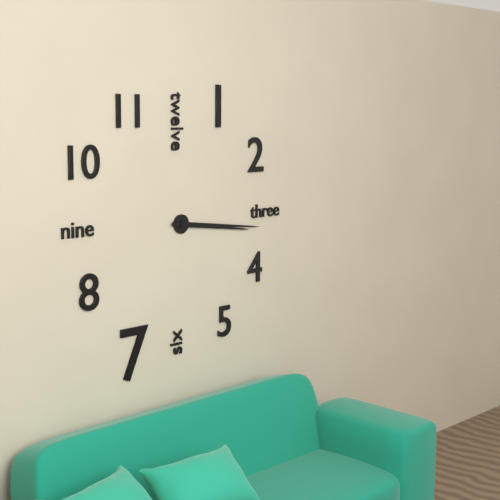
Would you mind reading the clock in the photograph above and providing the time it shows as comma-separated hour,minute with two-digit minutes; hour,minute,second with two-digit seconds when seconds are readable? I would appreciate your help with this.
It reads 3,16
